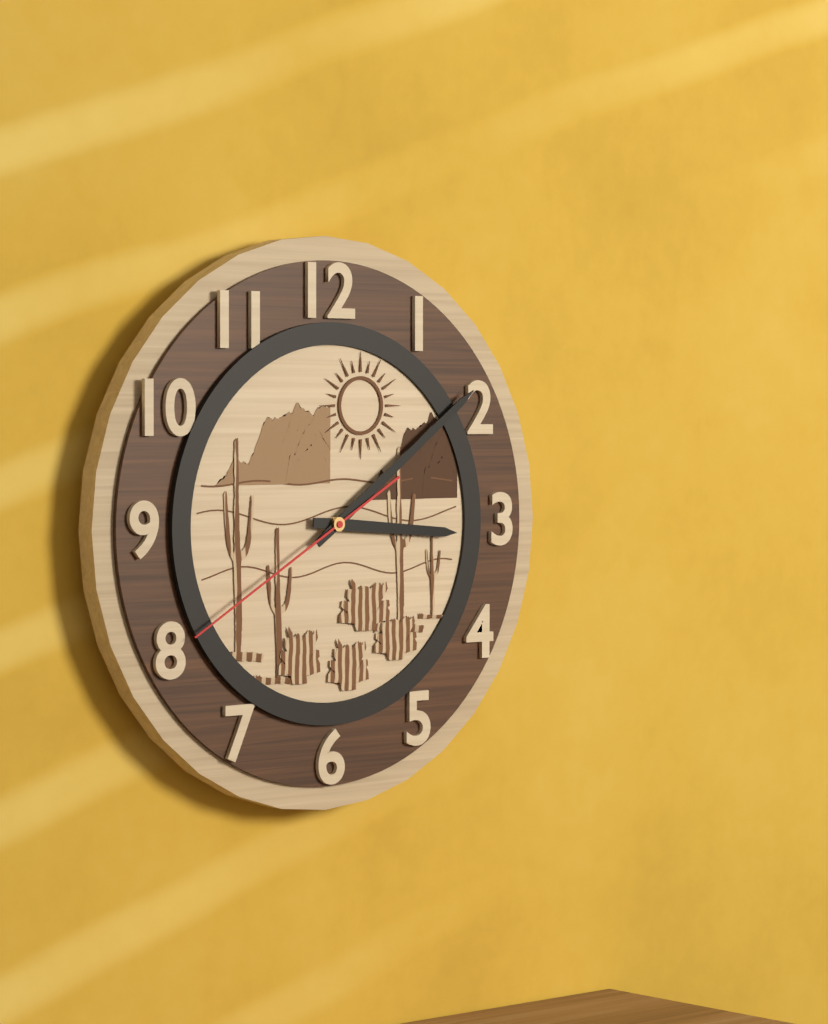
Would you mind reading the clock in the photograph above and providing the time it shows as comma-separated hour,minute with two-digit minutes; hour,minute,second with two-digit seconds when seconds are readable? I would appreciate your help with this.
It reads 3,09,40
